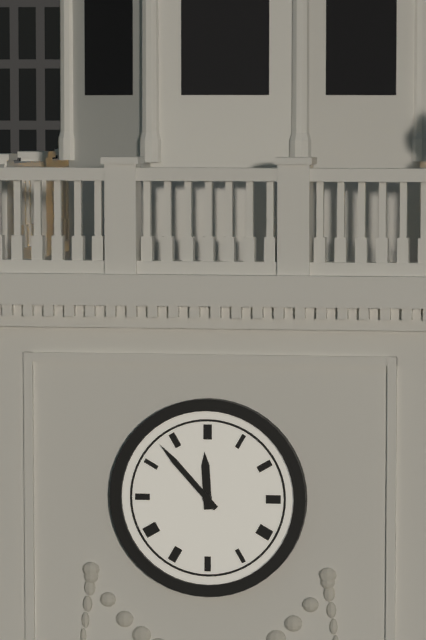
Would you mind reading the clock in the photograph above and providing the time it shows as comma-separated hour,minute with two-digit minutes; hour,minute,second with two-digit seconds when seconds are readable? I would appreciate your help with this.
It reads 11,53
